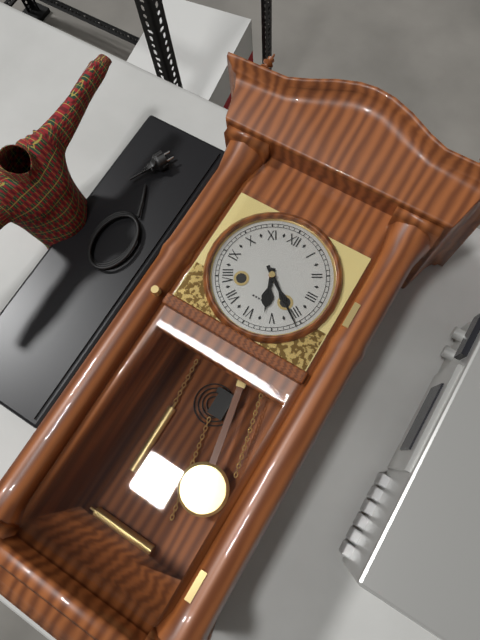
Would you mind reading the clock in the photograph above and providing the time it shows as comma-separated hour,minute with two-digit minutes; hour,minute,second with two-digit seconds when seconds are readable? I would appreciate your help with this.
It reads 5,21
